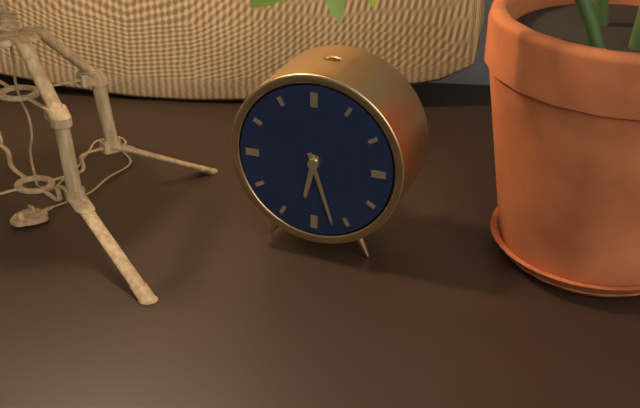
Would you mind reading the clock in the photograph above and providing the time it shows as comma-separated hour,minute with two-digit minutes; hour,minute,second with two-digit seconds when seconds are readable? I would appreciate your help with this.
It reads 6,27
